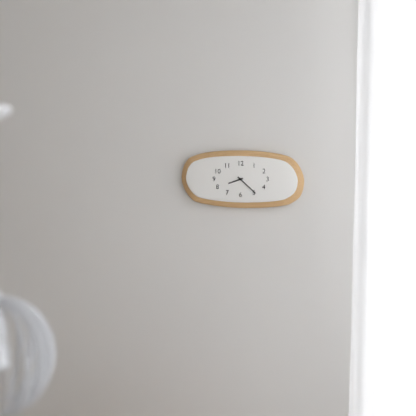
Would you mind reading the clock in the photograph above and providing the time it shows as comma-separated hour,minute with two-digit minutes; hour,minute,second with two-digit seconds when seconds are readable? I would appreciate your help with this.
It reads 8,22
